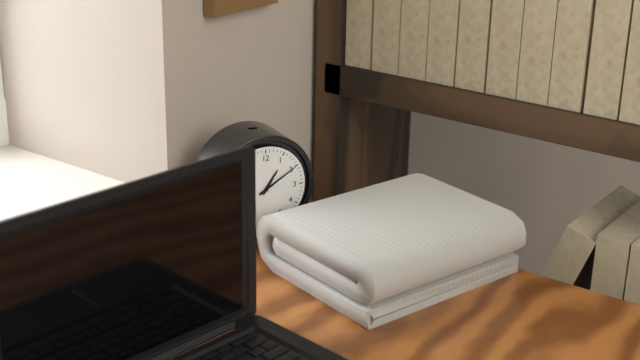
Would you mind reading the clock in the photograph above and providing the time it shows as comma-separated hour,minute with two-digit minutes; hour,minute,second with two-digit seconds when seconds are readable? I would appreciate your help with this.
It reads 1,10
